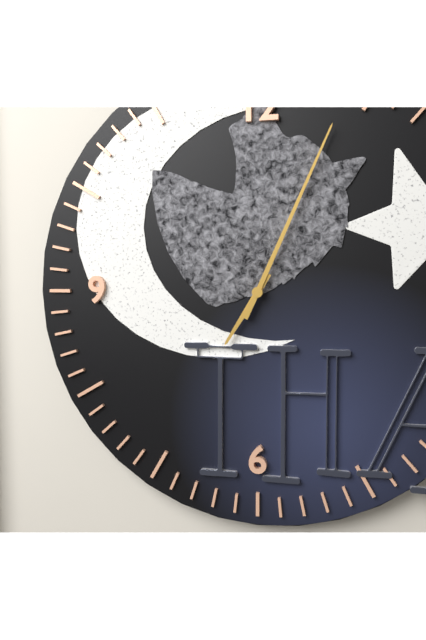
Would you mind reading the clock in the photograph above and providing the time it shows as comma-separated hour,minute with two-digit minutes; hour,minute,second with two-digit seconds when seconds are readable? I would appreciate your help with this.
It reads 7,04
